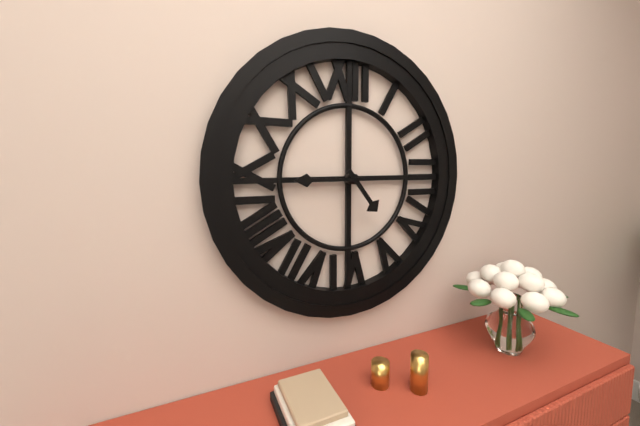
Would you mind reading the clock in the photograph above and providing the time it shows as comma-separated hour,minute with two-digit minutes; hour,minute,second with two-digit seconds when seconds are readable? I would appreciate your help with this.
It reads 4,45
